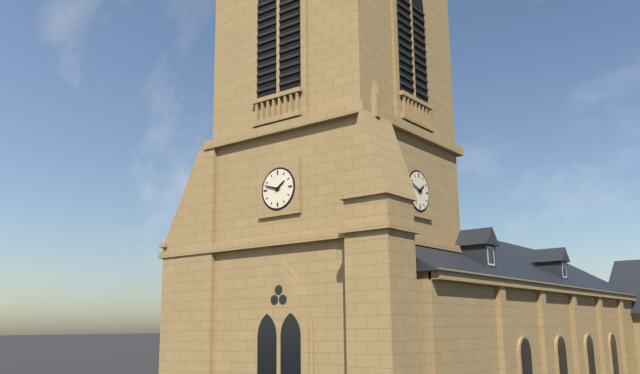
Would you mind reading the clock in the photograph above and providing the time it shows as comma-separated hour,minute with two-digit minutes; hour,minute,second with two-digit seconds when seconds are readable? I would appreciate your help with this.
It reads 1,48
